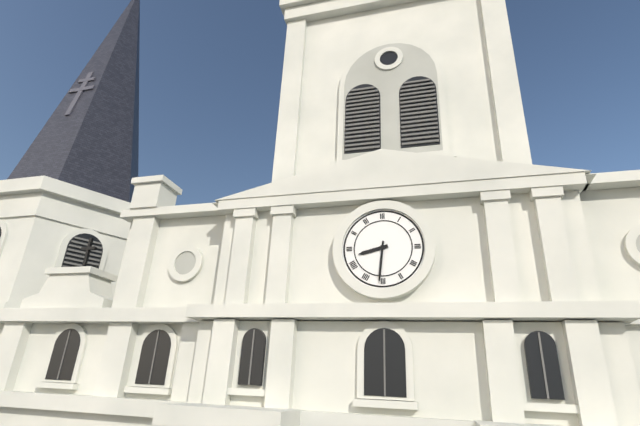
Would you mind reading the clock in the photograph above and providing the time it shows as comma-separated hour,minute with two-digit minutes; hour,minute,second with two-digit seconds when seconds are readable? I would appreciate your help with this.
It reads 8,31
